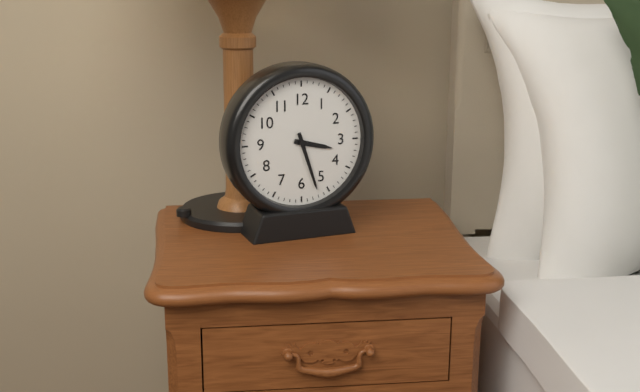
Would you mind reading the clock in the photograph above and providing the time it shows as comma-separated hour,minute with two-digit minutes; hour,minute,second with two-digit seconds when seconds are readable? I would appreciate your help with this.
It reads 3,27
